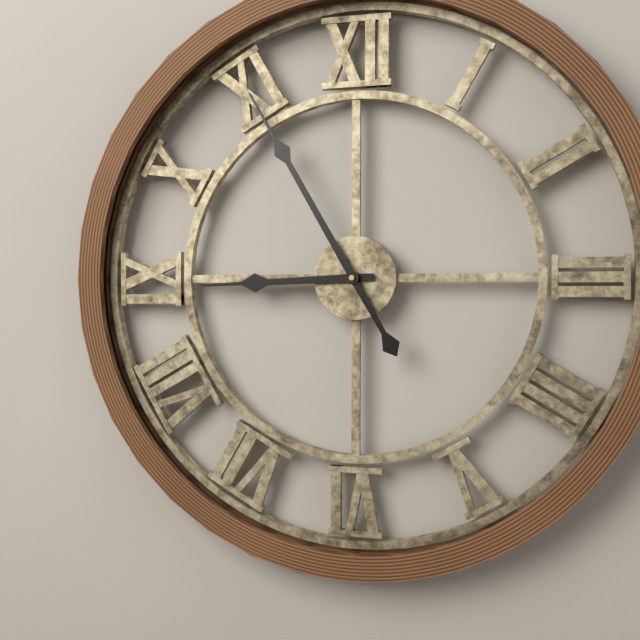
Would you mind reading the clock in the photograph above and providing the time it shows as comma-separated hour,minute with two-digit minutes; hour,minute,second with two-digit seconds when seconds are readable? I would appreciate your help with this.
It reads 8,55
